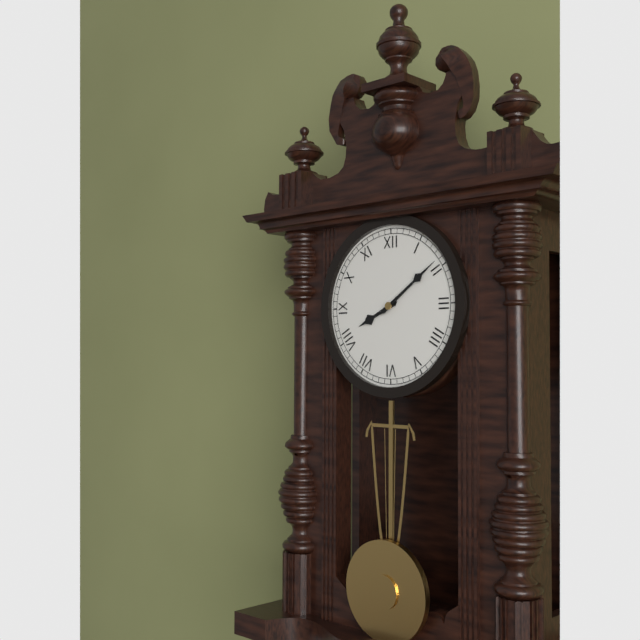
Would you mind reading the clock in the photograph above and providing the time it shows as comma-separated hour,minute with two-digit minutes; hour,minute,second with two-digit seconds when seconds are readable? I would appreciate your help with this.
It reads 8,09
